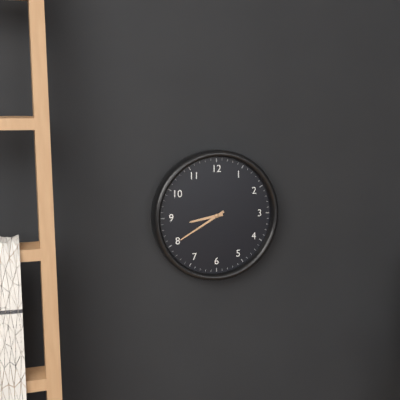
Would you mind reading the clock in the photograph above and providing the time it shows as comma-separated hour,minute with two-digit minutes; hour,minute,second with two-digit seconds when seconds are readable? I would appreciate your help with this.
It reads 8,40
